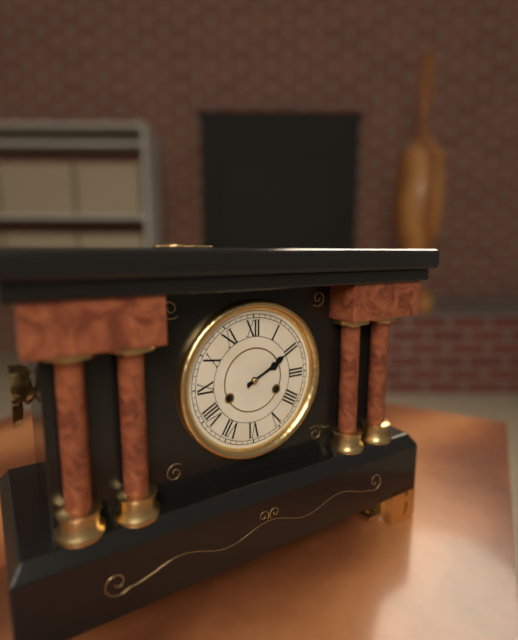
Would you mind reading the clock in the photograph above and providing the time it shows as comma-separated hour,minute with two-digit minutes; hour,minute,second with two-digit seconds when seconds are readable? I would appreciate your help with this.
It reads 2,10
